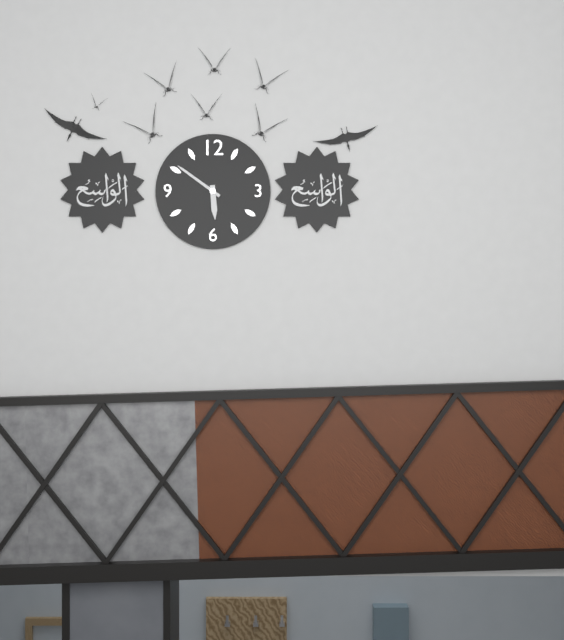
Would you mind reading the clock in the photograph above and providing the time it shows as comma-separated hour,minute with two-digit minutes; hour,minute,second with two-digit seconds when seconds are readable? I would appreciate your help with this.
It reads 5,51
